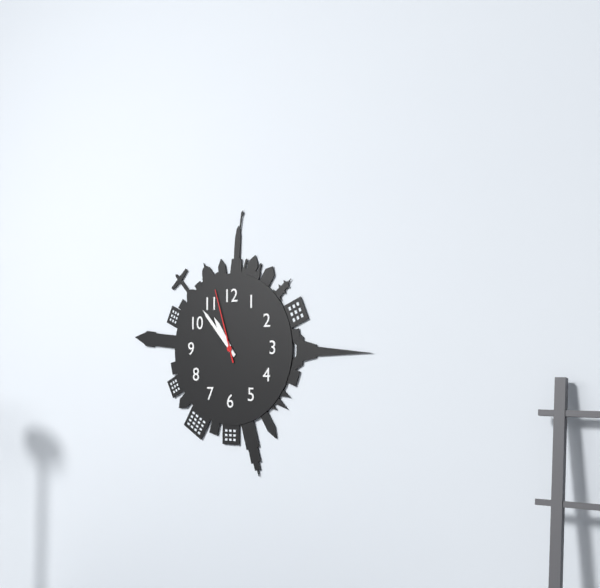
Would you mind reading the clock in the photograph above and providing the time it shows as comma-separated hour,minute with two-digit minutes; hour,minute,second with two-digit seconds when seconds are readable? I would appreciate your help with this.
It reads 10,53,57
